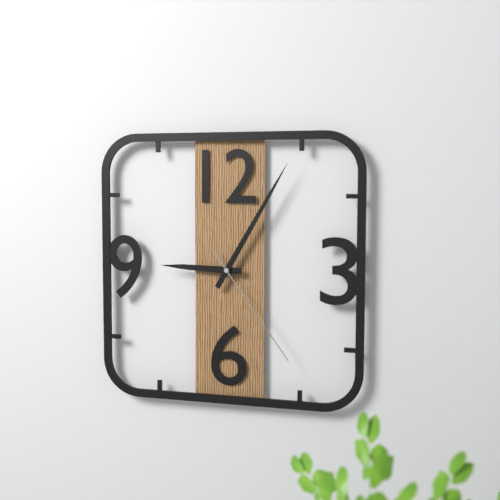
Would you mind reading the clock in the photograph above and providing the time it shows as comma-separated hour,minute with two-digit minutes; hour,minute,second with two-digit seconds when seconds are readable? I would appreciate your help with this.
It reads 9,05,24
